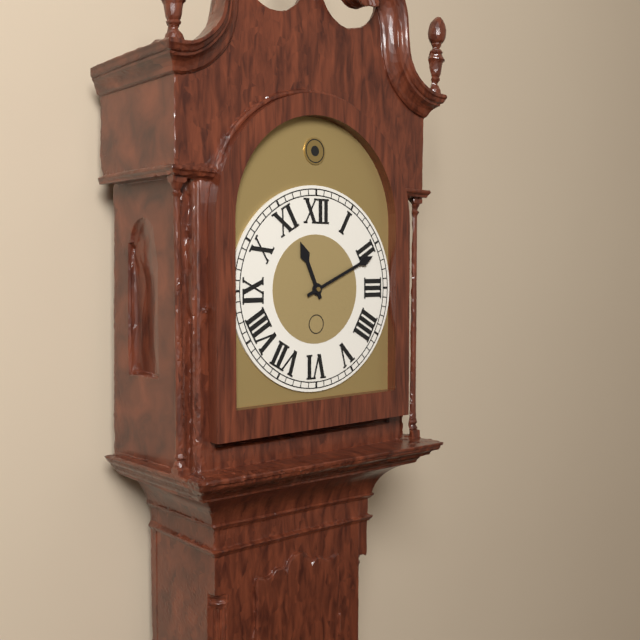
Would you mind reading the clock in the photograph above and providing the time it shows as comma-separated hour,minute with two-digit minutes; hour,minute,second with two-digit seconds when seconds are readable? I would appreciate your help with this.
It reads 11,11
